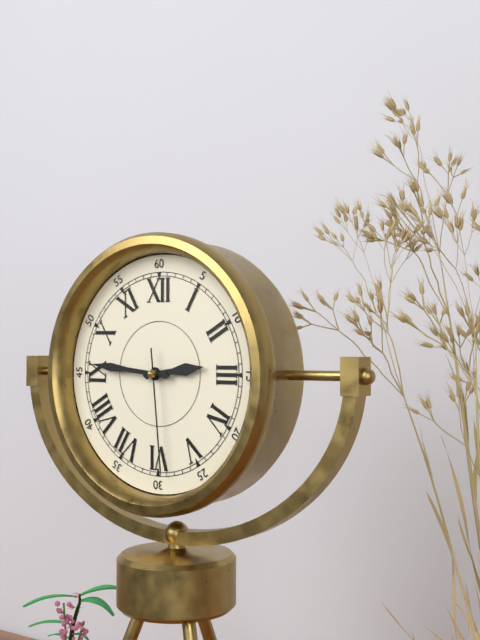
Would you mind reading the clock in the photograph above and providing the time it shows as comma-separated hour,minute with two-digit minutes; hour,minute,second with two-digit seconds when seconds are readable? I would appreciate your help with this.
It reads 2,46,29
